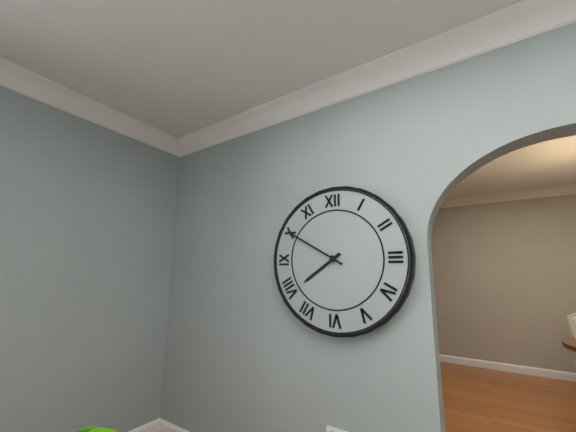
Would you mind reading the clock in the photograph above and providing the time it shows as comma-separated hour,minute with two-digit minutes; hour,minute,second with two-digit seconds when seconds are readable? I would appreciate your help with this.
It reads 7,50
